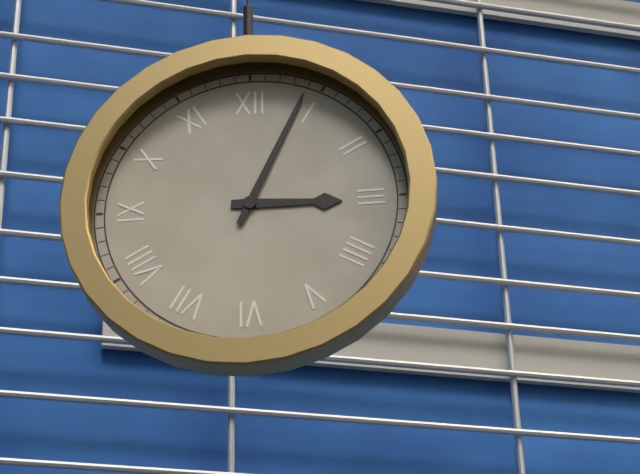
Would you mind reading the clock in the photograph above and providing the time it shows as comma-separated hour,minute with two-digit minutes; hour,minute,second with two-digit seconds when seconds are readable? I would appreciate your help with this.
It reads 3,04
